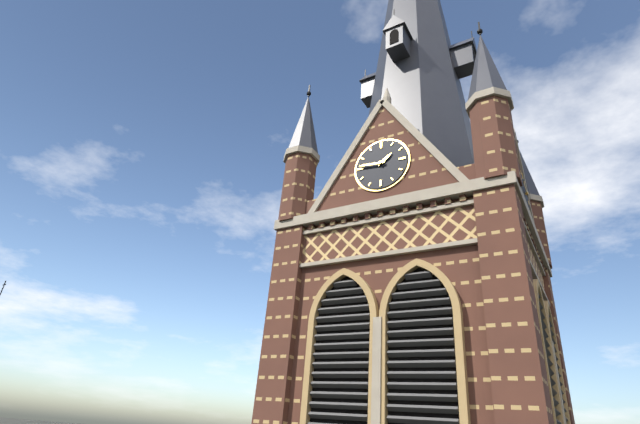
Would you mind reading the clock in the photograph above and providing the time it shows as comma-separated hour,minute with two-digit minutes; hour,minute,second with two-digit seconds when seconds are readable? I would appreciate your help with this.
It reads 1,46
